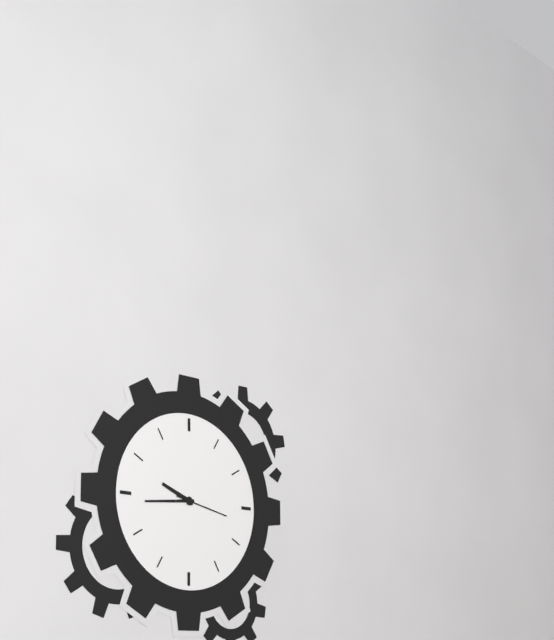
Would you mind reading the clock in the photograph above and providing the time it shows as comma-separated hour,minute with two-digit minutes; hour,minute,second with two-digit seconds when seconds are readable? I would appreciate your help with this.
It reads 9,44,17
